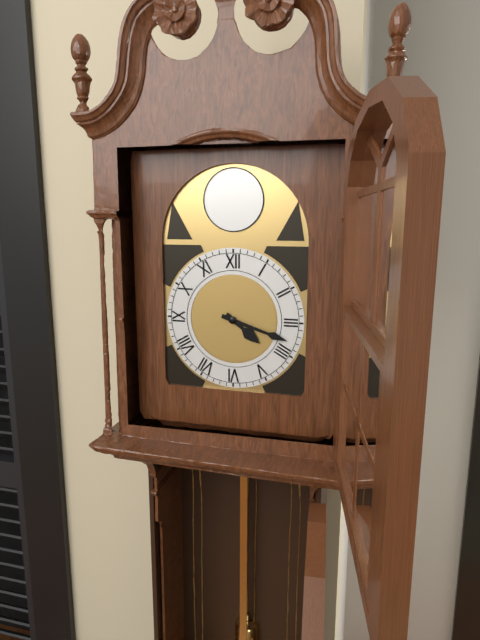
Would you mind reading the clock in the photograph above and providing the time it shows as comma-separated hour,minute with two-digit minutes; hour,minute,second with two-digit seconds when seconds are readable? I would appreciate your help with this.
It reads 4,18
